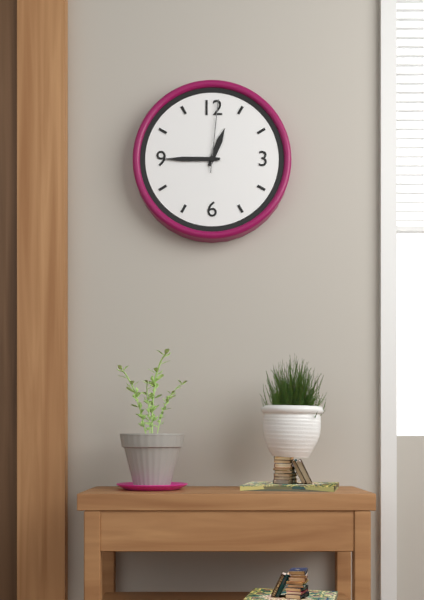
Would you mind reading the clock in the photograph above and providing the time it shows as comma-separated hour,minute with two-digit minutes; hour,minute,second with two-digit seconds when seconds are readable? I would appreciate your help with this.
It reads 12,45,01
